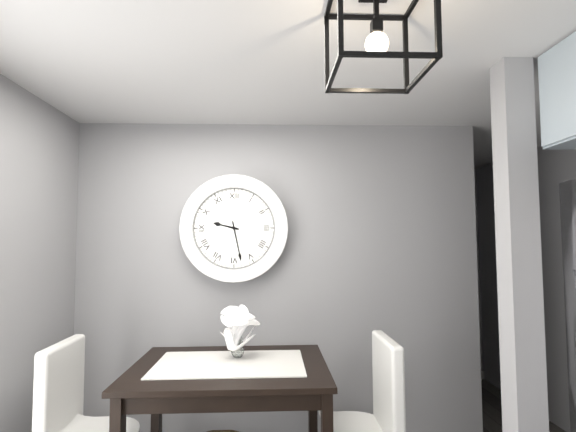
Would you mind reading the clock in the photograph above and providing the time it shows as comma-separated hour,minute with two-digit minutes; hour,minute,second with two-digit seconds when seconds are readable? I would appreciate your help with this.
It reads 9,28
